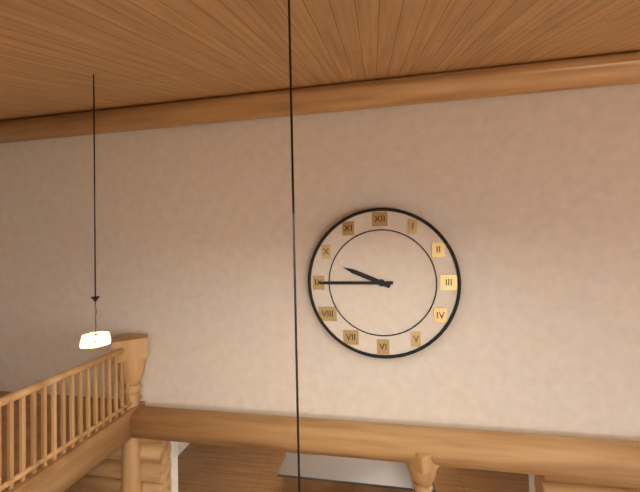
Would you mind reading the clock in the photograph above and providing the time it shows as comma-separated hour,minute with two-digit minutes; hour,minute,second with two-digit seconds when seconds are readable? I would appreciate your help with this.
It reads 9,45
